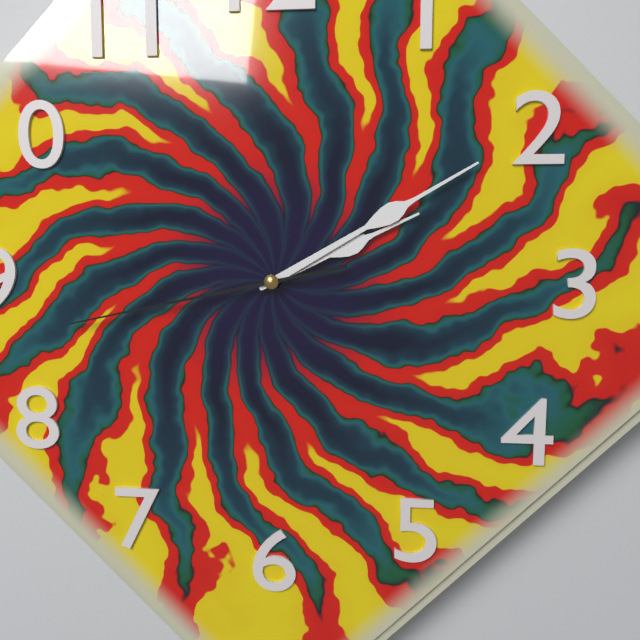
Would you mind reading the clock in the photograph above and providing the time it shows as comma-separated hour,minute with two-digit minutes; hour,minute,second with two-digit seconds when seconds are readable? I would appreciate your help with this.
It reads 2,10,43
